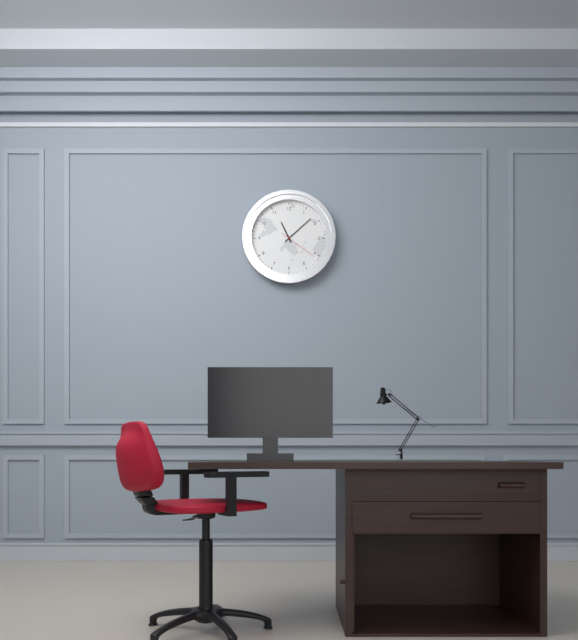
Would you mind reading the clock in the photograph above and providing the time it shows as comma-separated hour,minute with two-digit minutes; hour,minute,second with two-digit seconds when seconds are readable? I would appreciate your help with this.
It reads 11,08
